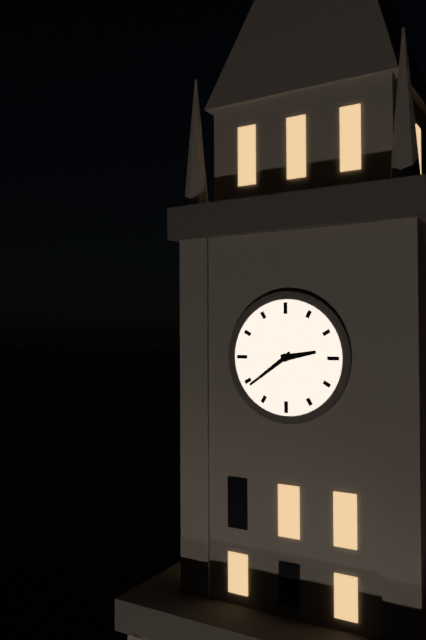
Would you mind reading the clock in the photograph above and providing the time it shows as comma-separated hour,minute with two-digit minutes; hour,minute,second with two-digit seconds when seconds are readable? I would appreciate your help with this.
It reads 2,39
